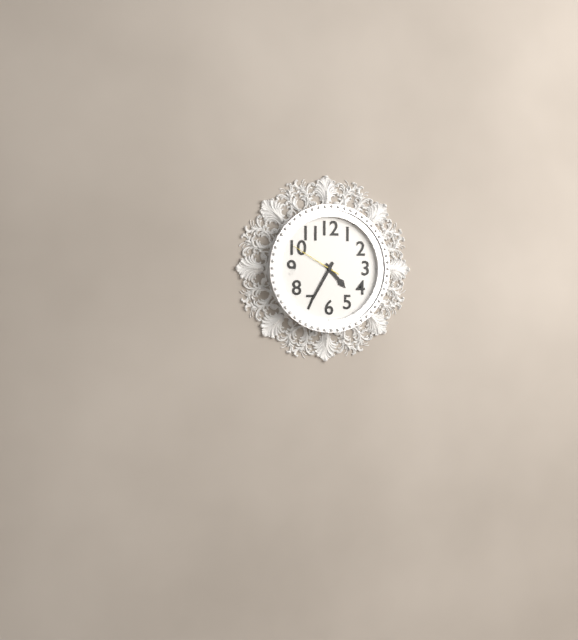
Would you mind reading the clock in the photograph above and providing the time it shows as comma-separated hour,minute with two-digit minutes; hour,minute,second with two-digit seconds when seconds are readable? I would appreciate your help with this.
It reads 4,35,50
